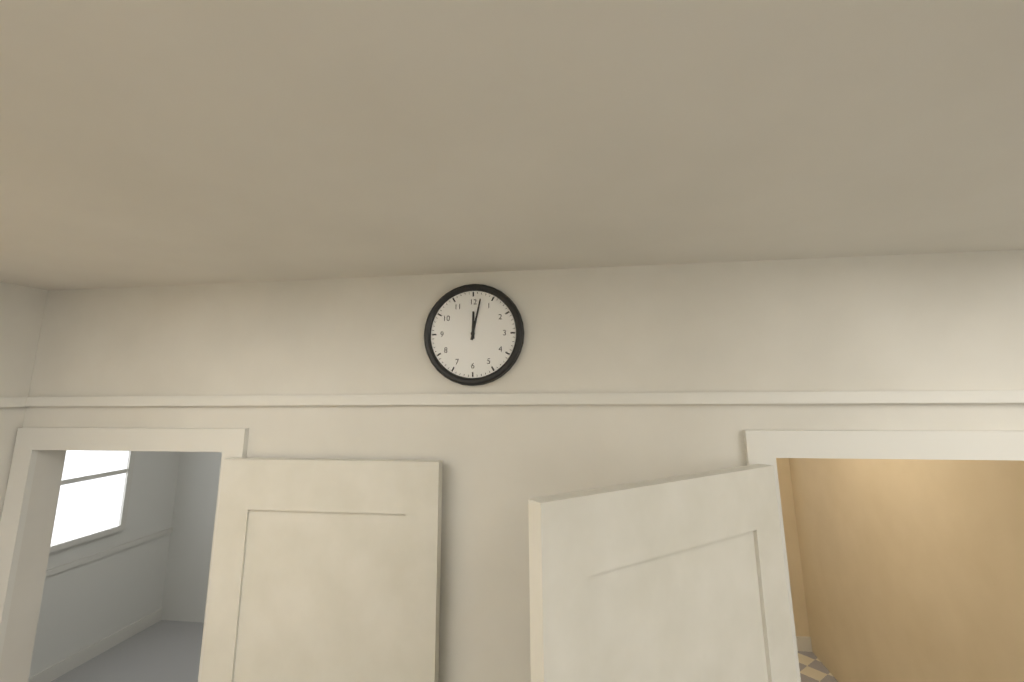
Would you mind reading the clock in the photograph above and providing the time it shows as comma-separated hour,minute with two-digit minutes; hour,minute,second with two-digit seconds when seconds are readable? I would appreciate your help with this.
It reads 12,02
